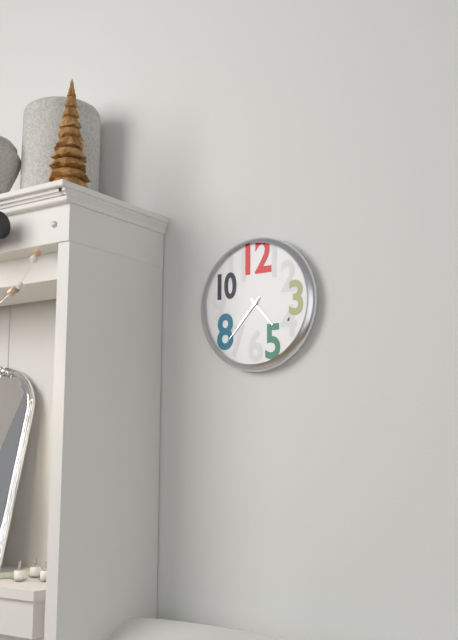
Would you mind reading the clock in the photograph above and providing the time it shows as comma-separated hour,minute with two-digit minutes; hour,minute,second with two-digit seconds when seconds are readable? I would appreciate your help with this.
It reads 4,37
